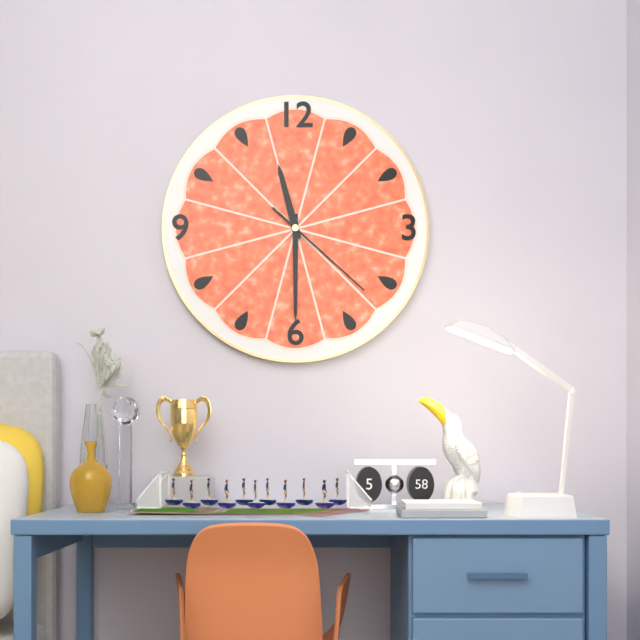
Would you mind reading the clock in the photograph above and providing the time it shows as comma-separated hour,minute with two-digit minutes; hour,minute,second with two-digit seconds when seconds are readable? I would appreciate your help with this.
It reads 11,30,22
